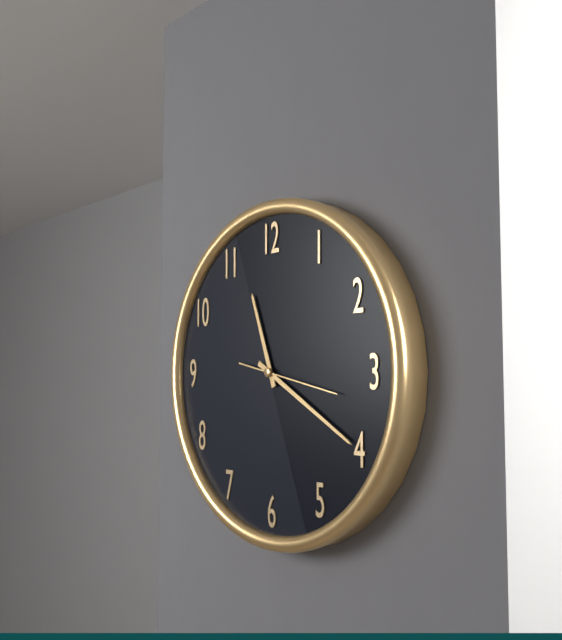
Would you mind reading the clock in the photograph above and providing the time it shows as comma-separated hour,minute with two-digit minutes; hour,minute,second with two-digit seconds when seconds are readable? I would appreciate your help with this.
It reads 11,20,17
